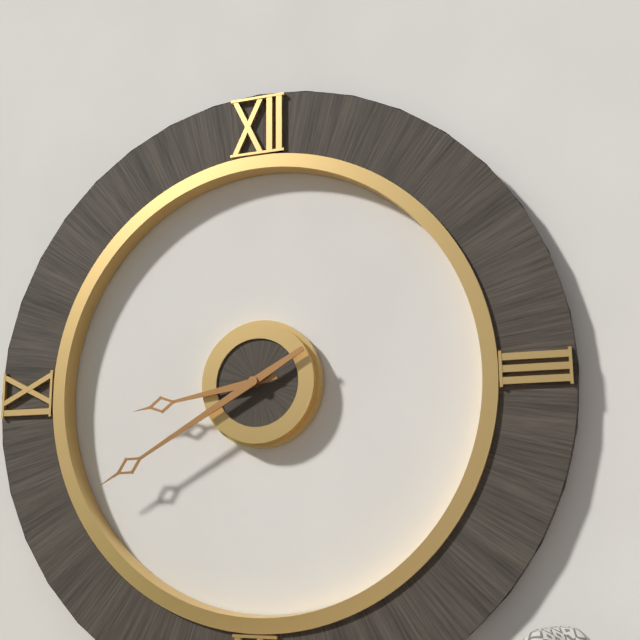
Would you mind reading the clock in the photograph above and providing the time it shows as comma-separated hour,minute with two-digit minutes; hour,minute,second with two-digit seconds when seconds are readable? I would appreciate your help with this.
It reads 8,40
